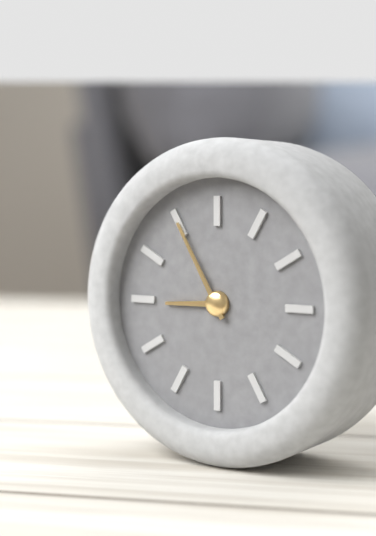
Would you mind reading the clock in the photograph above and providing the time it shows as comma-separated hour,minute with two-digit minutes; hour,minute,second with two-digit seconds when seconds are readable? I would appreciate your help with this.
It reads 8,55
